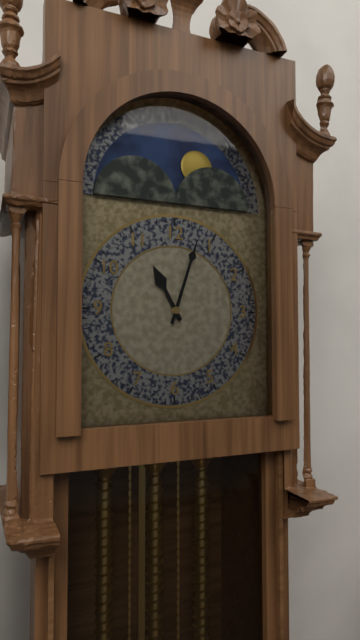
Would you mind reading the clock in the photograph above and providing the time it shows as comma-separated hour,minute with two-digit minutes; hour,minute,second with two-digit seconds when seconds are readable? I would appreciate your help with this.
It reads 11,03
